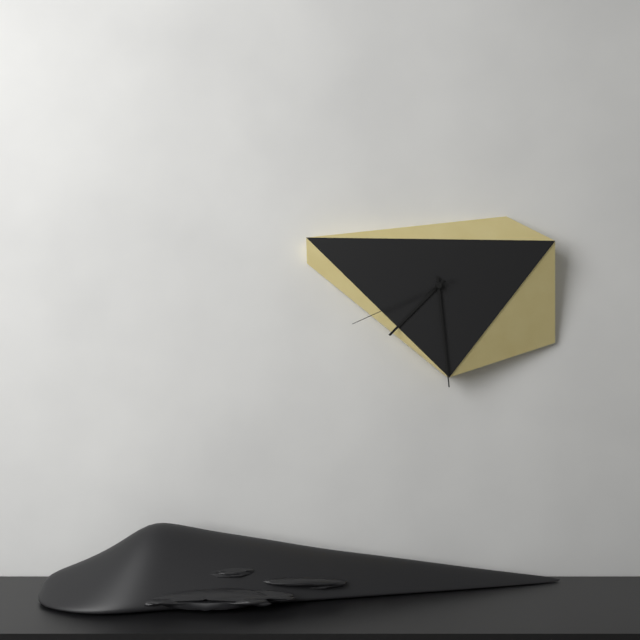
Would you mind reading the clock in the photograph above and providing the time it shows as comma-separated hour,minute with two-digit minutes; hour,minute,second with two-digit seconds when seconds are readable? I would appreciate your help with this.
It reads 7,29,41
